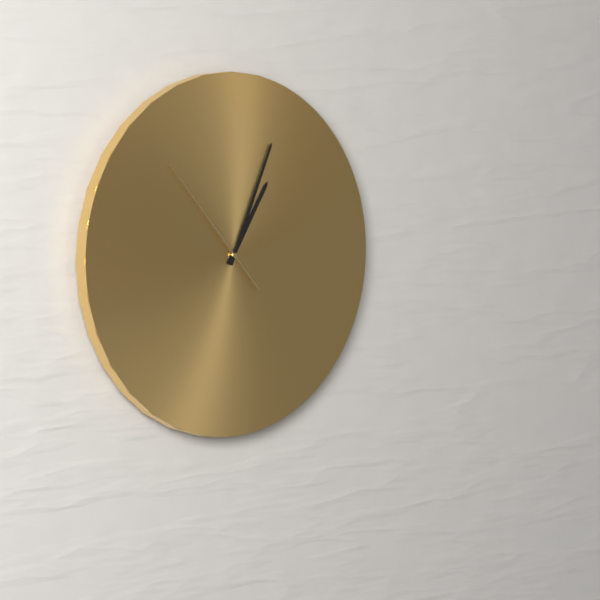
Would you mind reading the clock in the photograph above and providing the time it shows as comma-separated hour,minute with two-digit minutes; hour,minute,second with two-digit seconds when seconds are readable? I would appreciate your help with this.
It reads 1,04,53
